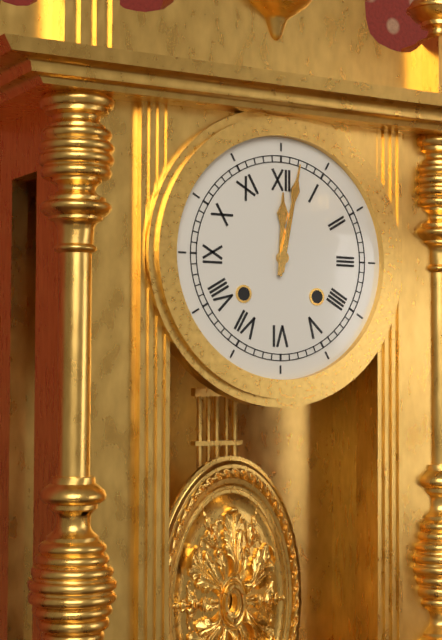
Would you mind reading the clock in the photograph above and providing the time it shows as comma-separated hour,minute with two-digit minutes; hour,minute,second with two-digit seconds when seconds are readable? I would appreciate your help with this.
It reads 12,02
